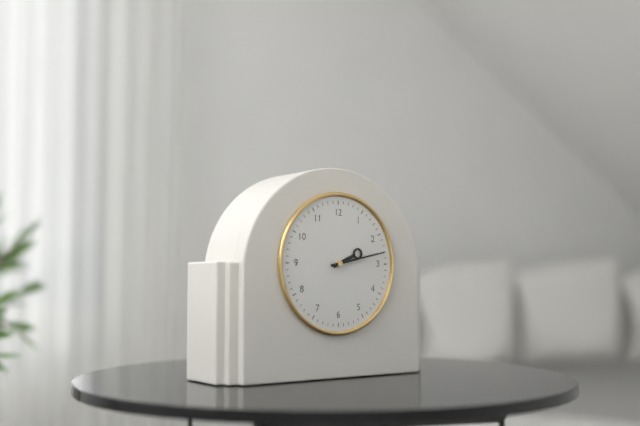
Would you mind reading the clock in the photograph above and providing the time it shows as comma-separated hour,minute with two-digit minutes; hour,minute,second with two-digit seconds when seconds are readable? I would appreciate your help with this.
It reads 2,13
